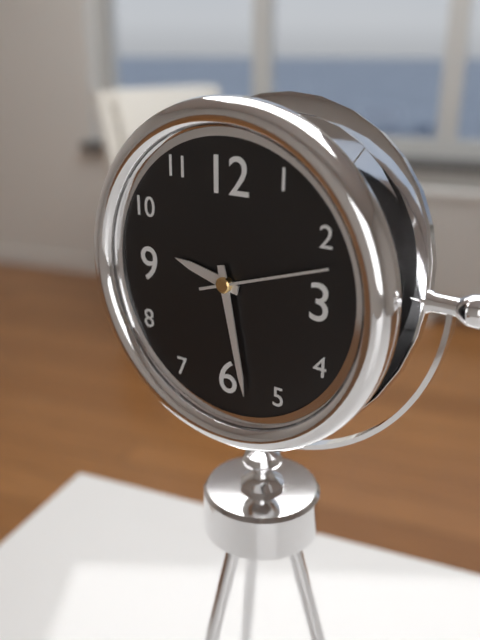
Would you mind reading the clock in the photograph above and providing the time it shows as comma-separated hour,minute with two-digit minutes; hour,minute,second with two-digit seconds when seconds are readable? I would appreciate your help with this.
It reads 9,28,12
